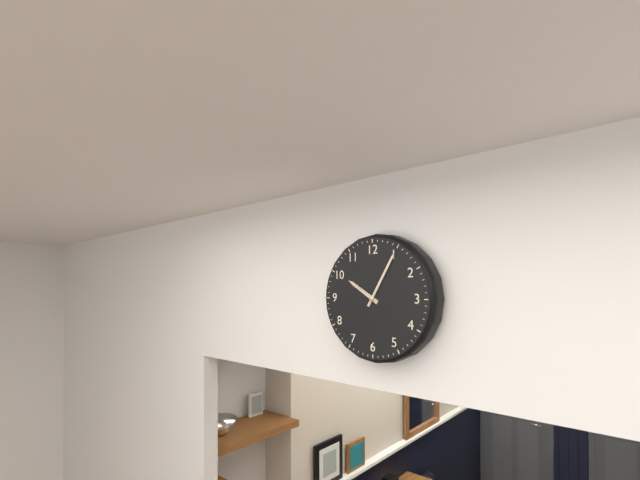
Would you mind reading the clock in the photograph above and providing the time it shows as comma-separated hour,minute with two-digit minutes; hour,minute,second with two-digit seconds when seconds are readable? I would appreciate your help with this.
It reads 10,05
